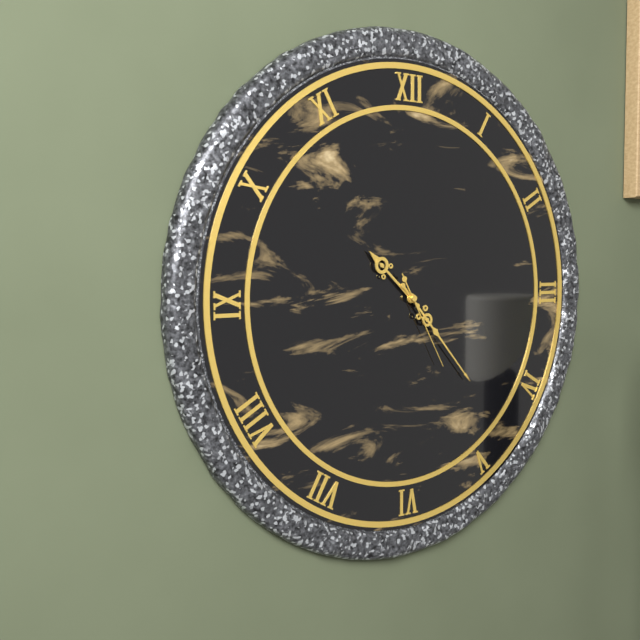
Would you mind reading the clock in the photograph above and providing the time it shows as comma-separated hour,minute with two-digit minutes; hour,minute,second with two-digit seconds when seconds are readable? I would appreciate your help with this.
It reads 10,23,25
